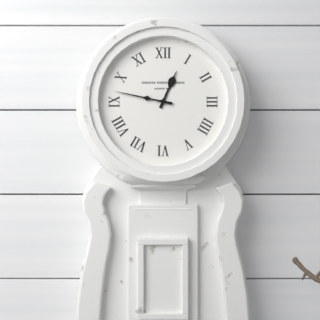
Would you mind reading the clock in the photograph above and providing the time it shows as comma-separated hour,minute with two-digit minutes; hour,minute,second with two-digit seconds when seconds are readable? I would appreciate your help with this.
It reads 12,47
